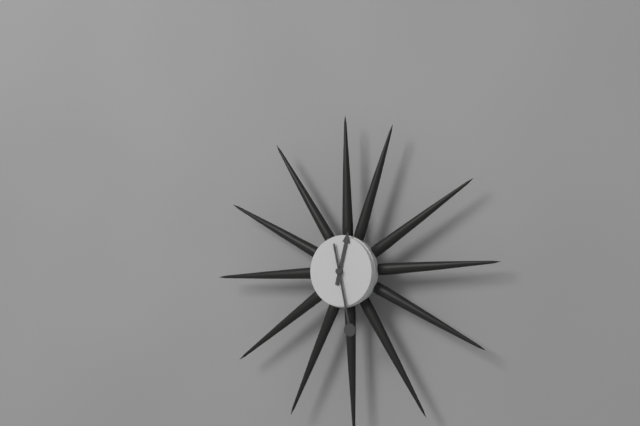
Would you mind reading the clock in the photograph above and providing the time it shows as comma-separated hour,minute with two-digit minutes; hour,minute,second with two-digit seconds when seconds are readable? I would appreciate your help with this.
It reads 12,28
